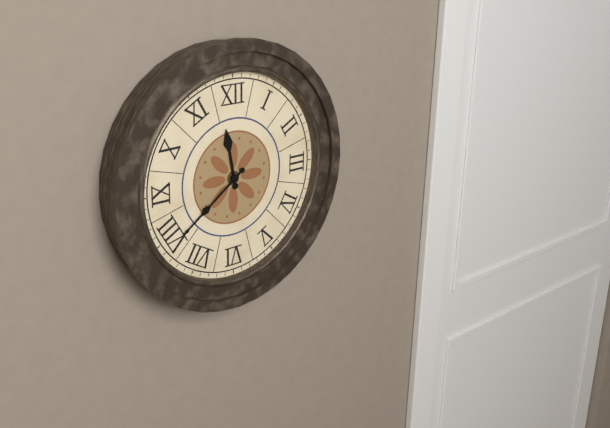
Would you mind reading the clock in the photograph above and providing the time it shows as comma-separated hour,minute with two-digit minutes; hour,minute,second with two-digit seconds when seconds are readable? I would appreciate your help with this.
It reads 11,39
